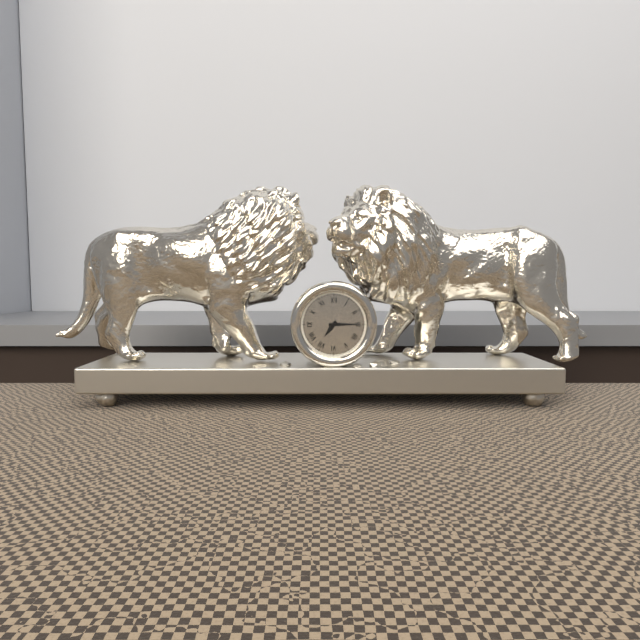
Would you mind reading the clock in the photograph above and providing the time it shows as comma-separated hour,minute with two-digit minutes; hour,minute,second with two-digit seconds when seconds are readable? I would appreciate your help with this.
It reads 7,15
